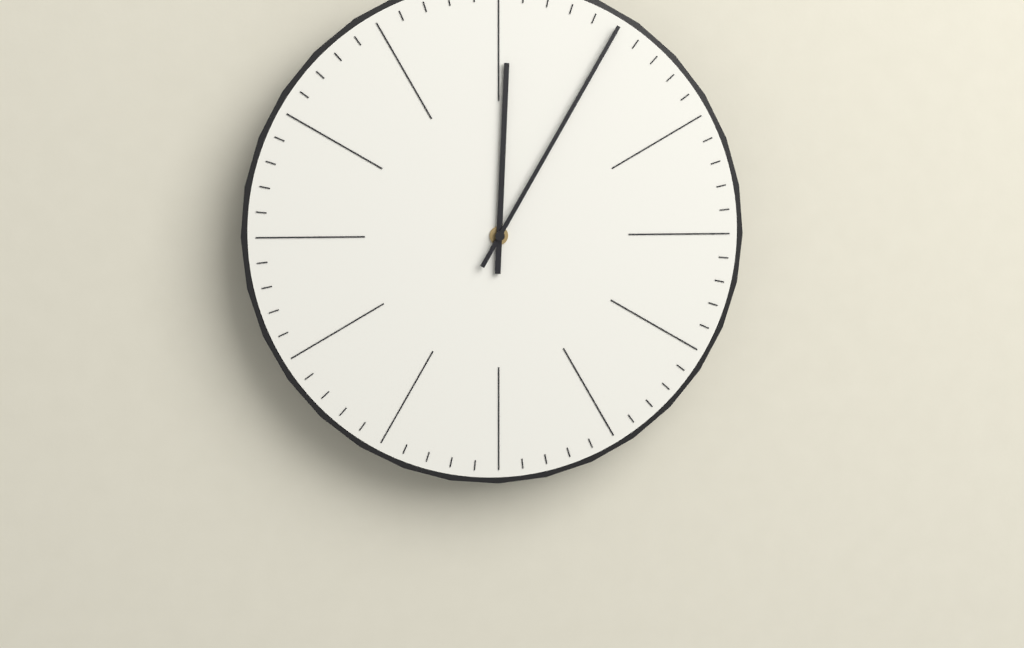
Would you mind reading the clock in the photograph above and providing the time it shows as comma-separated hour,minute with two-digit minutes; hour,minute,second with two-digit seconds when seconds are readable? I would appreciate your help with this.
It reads 12,05
